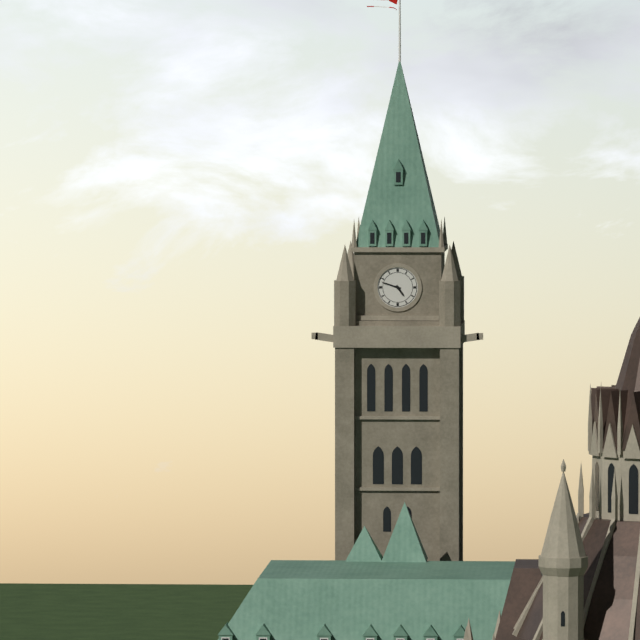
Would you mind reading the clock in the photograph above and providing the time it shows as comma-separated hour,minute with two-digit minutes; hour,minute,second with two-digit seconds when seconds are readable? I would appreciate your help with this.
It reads 4,48
